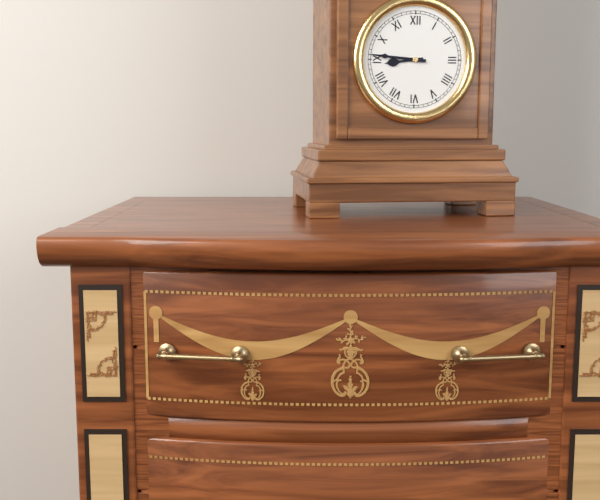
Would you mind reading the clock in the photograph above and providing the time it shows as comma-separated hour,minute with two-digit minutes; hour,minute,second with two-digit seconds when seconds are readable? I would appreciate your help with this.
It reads 8,46
